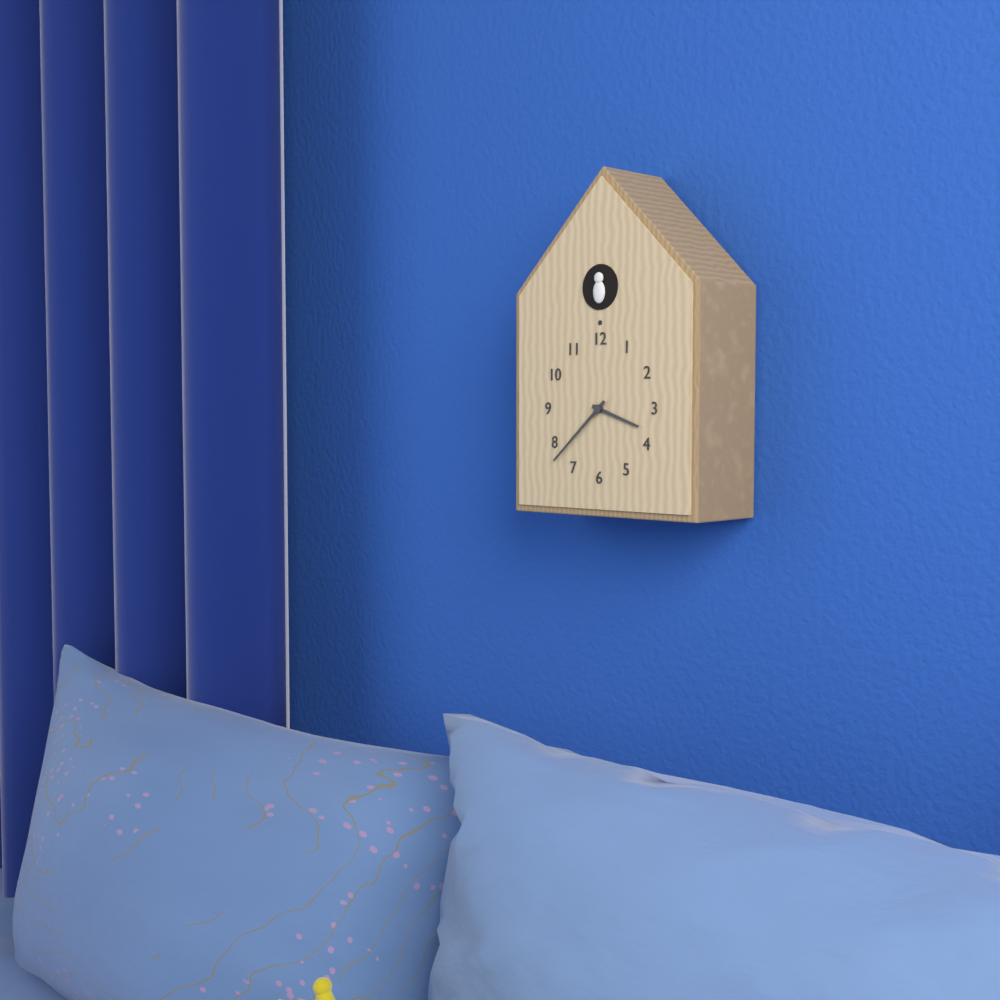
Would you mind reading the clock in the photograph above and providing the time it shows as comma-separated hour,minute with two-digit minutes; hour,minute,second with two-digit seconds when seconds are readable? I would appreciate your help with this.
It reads 3,38
